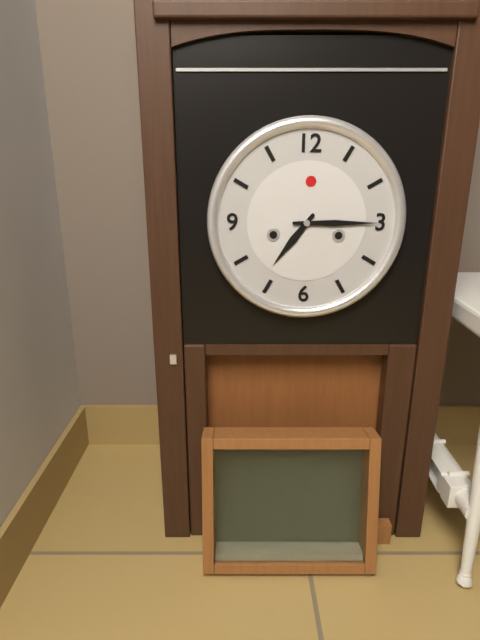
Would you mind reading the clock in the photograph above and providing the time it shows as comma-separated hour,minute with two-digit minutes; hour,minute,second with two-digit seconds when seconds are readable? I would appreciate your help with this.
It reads 7,15
